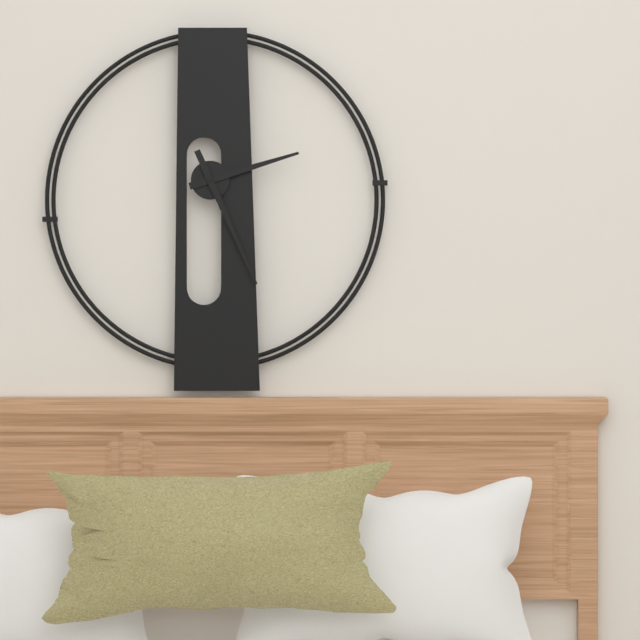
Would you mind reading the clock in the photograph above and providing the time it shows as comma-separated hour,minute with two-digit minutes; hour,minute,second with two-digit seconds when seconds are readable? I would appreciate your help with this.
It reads 2,26
